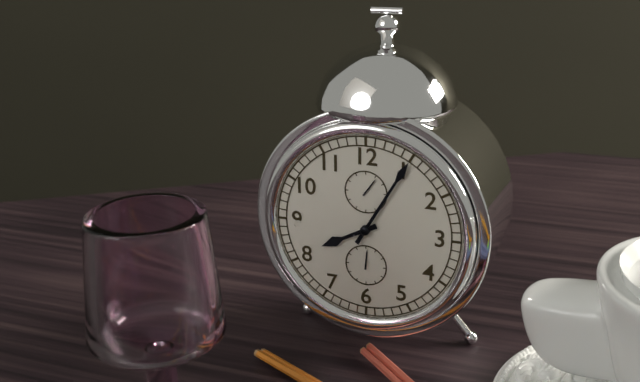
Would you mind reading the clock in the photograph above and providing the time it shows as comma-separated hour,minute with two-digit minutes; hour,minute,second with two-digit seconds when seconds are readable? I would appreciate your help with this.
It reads 8,05
